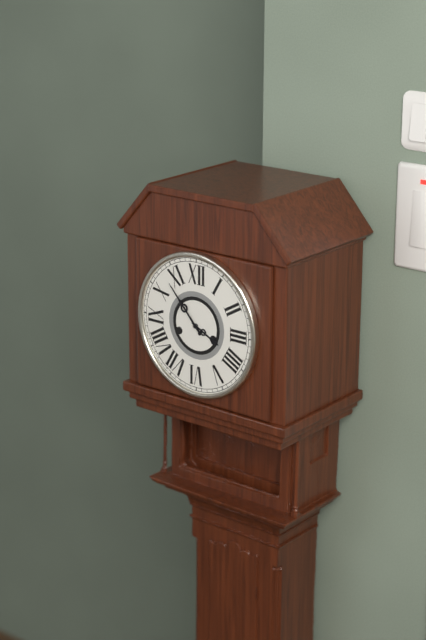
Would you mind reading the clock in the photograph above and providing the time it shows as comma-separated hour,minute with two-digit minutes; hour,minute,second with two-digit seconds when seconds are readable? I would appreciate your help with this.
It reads 3,53
